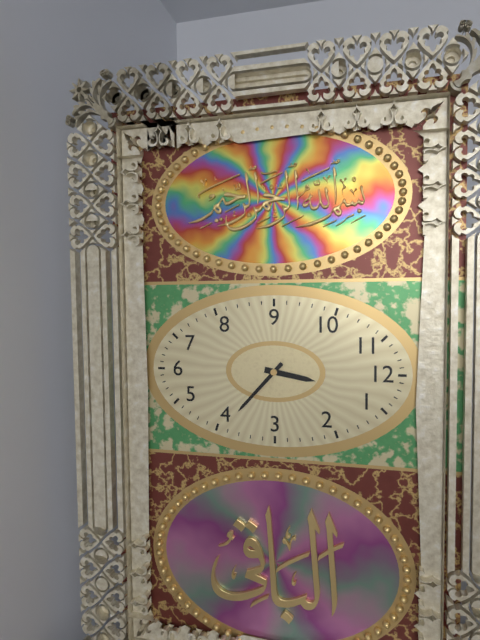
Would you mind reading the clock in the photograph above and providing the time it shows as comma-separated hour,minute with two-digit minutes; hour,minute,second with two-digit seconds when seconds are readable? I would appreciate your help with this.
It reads 12,22
